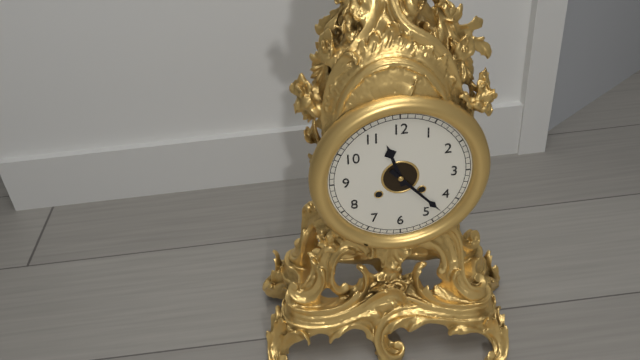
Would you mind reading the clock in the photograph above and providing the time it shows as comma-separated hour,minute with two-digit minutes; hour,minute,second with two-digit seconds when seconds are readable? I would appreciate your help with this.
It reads 11,23
